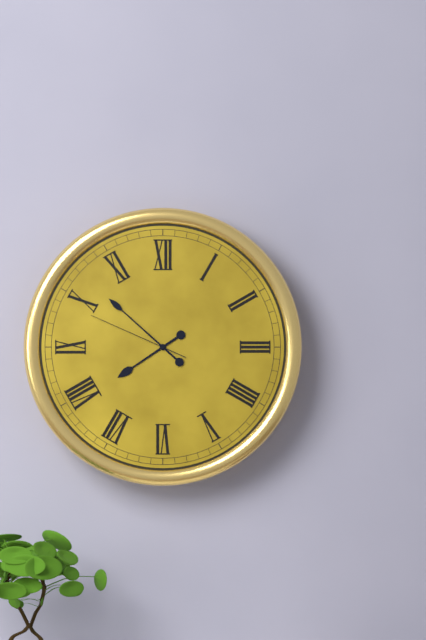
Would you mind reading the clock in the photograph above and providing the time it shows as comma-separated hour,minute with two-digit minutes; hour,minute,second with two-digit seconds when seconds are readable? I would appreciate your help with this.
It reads 7,52,49
